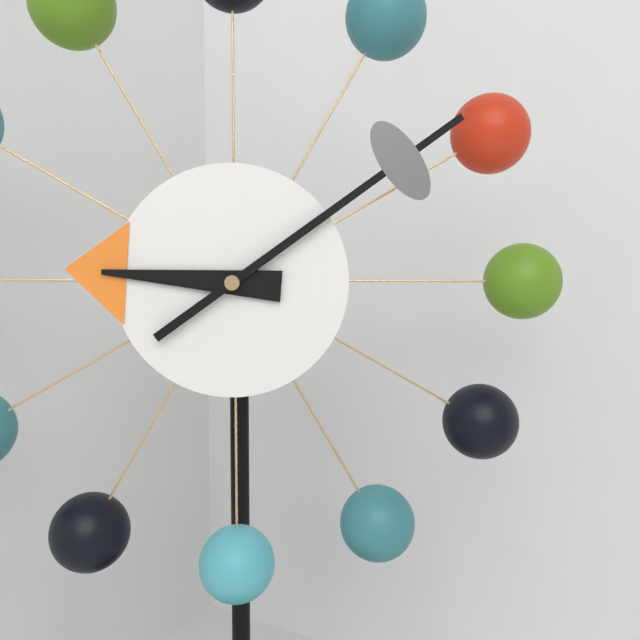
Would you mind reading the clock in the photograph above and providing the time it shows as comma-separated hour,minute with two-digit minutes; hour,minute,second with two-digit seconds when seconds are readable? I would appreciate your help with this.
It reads 9,09
